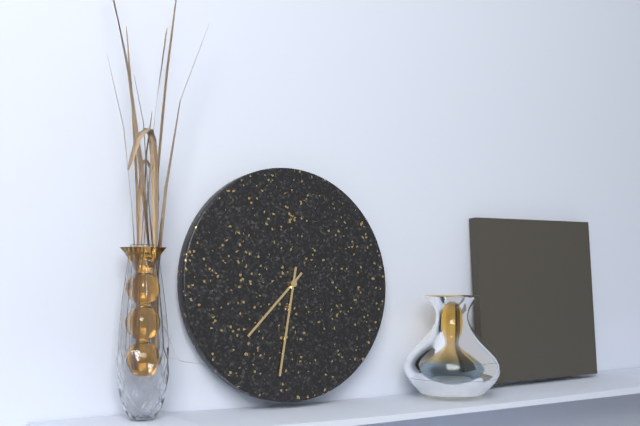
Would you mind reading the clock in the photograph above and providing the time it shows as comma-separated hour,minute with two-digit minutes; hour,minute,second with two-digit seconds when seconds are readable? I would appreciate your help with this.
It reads 7,32
